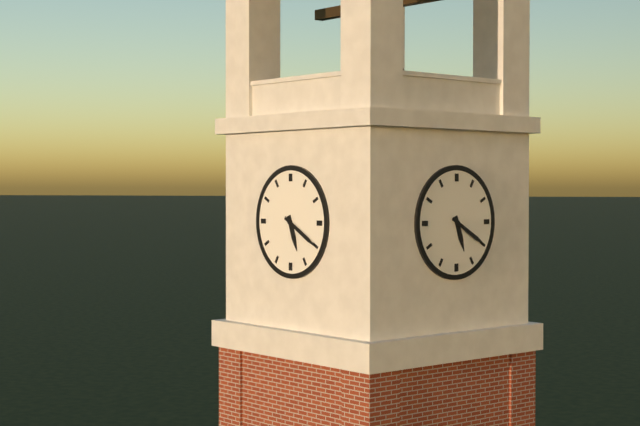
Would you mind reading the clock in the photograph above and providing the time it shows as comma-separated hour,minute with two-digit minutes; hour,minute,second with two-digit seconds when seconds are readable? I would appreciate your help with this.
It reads 5,20
